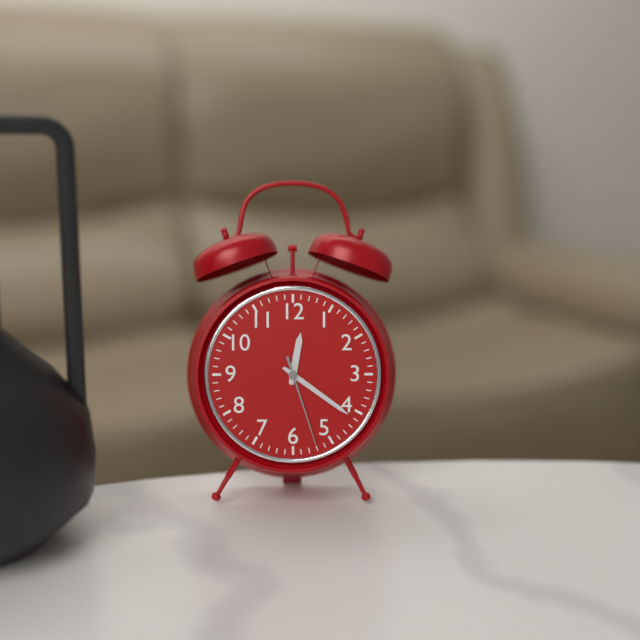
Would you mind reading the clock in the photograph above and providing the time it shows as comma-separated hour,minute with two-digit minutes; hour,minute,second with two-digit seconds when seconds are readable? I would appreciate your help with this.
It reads 12,21,27
